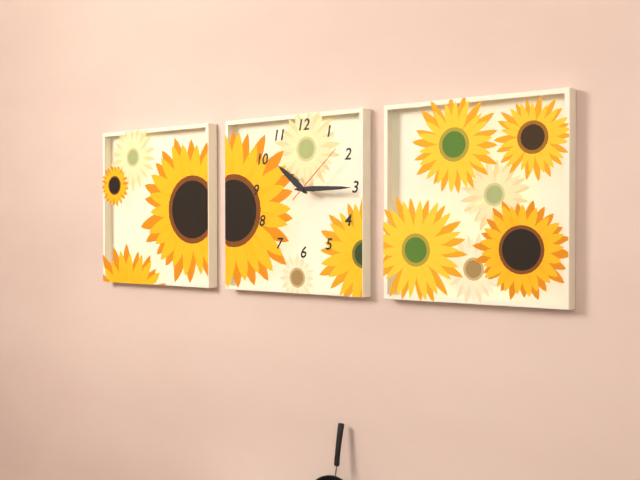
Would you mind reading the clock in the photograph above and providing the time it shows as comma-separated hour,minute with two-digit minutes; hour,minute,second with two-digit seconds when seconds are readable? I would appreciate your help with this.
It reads 10,15,08
